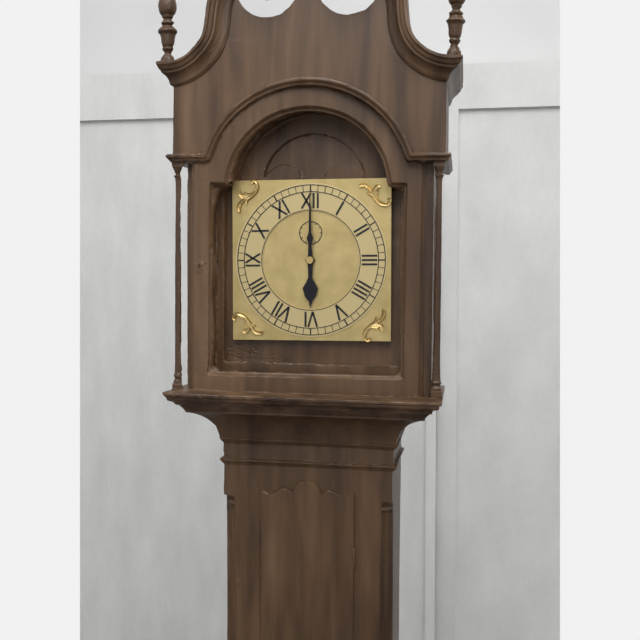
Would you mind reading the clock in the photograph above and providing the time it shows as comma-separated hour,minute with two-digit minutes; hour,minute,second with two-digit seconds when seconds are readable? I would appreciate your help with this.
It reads 6,00
